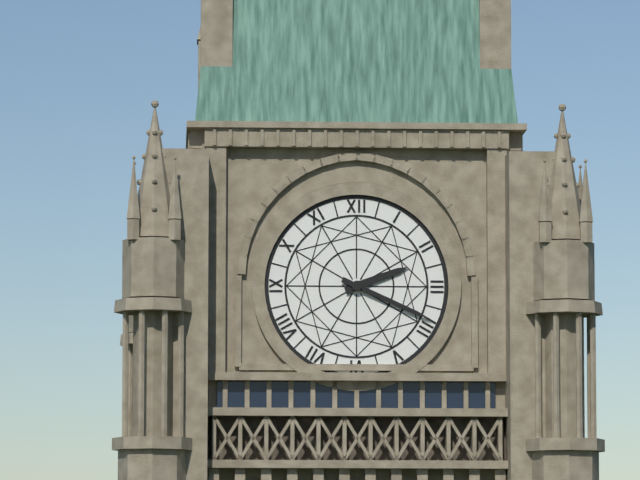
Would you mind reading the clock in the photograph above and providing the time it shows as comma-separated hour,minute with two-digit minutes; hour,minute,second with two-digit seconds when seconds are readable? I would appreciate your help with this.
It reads 2,19
